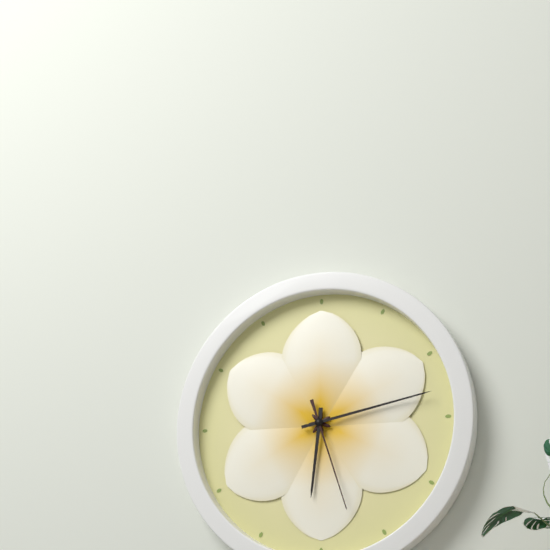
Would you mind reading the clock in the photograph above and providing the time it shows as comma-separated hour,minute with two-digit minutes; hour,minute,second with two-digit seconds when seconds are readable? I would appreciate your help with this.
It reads 6,13,27
